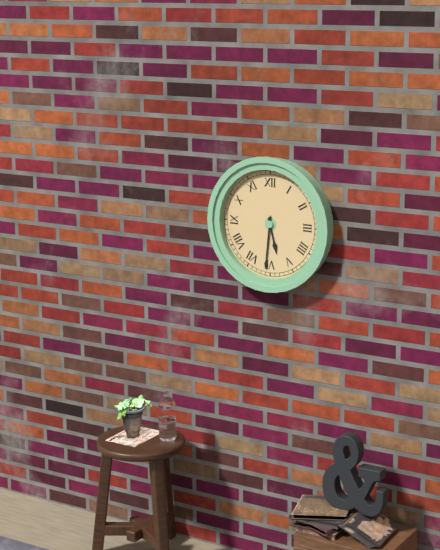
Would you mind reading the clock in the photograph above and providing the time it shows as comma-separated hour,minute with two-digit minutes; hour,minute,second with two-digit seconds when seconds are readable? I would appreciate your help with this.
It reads 5,31
